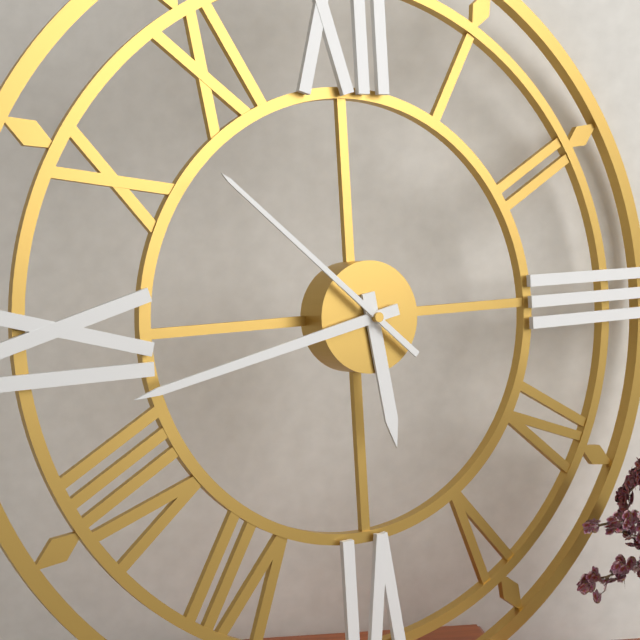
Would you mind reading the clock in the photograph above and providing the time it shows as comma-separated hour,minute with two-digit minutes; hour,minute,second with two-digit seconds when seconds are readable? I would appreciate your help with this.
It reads 5,43,52
